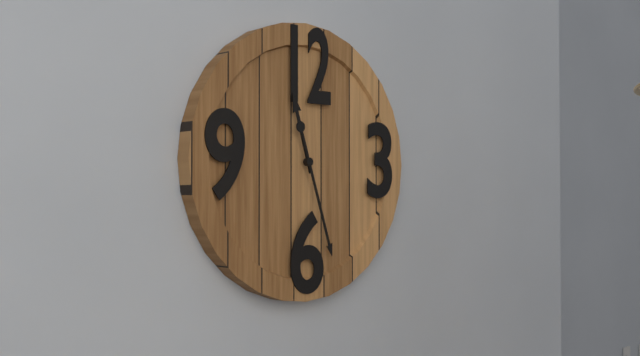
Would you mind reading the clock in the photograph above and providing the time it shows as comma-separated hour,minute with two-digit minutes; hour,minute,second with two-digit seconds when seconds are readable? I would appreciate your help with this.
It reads 11,27
